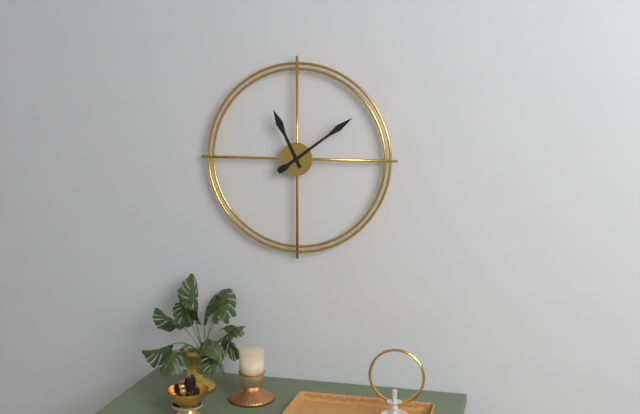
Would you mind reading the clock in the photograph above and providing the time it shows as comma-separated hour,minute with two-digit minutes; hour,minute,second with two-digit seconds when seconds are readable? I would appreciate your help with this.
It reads 11,09
